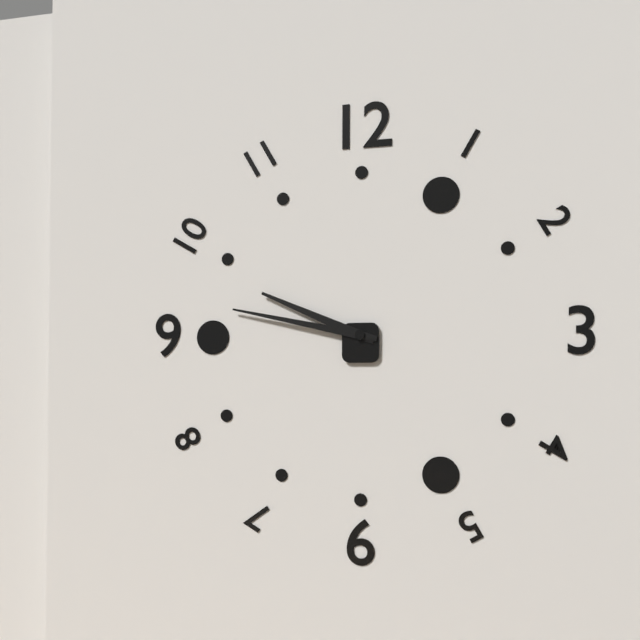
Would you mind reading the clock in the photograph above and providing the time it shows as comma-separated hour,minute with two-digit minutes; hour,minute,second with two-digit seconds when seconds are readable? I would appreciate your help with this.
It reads 9,47
